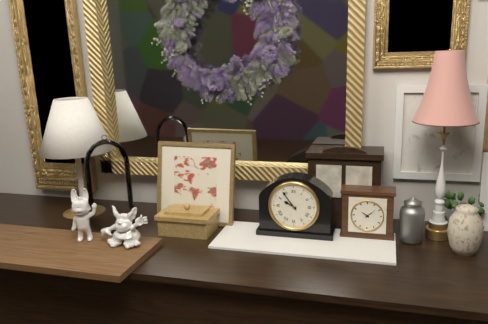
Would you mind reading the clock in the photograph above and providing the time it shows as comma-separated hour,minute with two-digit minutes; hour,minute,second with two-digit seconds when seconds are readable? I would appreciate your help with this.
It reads 9,54
